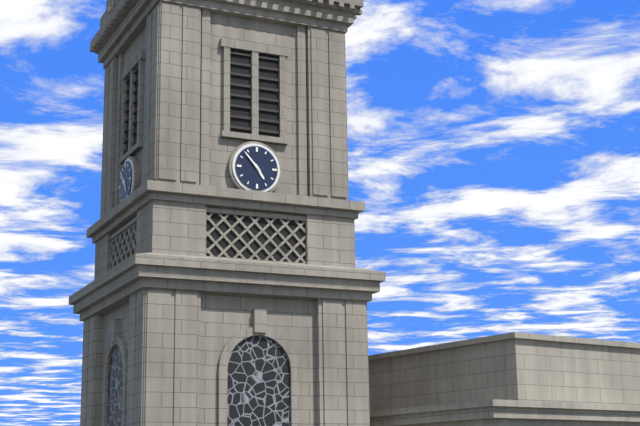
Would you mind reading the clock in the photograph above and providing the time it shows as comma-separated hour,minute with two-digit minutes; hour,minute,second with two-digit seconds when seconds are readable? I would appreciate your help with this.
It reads 4,53
